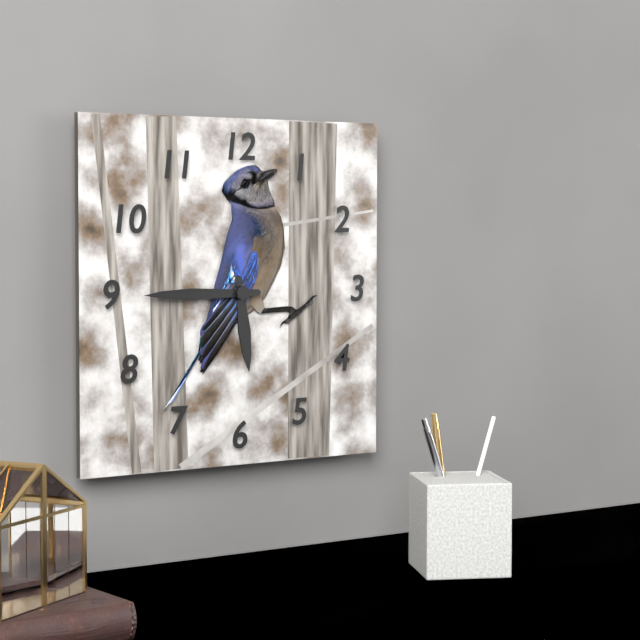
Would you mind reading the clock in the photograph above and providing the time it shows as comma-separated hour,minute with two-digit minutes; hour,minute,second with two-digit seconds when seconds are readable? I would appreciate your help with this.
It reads 5,45
